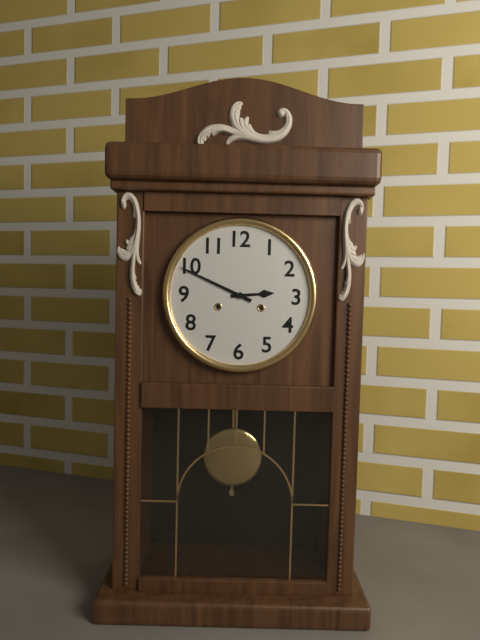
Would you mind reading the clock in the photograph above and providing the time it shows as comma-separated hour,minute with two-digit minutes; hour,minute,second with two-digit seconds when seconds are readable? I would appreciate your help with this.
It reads 2,49
